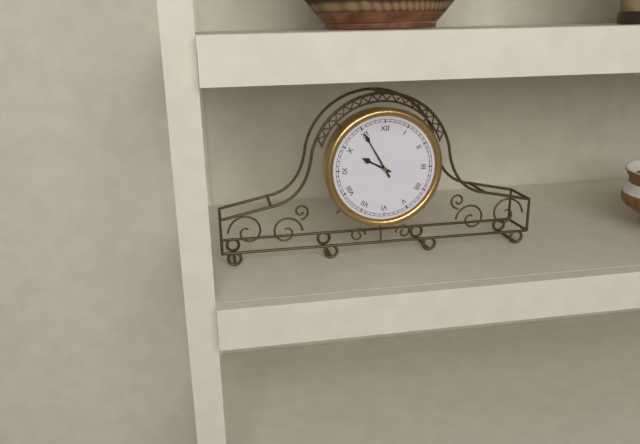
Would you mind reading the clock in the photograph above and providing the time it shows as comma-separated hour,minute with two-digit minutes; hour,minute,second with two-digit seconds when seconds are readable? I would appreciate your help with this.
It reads 9,55
